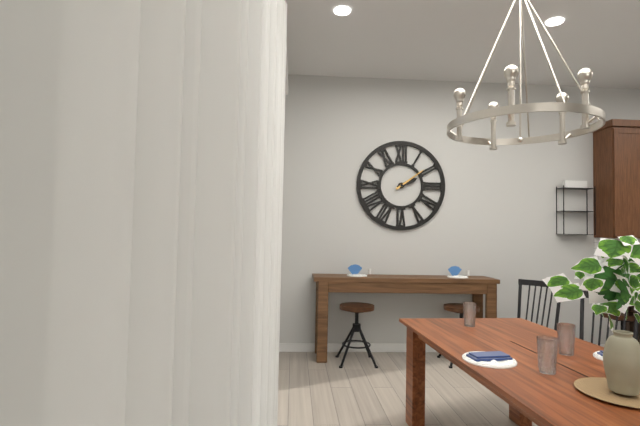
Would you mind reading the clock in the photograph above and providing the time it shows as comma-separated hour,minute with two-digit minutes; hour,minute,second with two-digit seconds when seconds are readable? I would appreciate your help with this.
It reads 2,09
